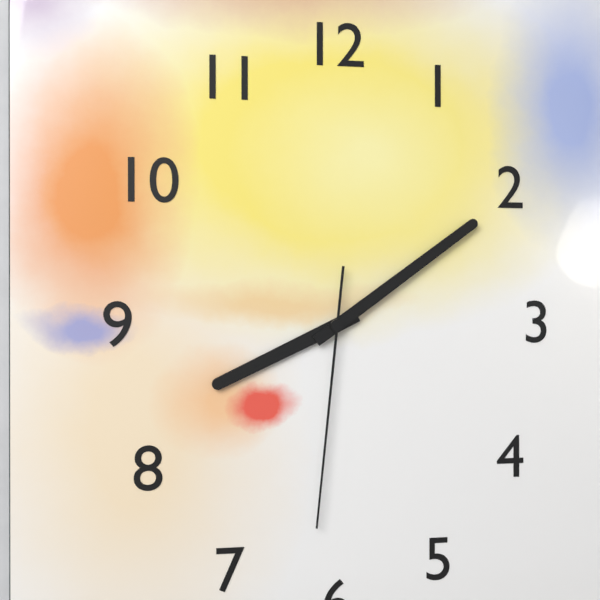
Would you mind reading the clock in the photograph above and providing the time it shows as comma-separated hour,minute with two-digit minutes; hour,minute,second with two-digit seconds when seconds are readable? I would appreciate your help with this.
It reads 8,09,31
